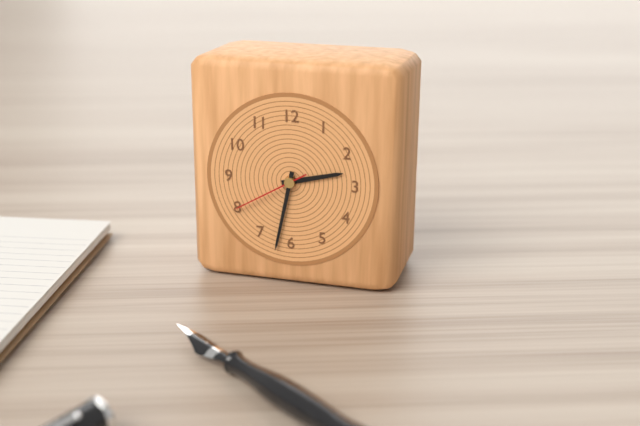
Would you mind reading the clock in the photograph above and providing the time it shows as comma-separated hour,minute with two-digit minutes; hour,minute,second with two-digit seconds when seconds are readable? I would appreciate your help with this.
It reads 2,32,40
